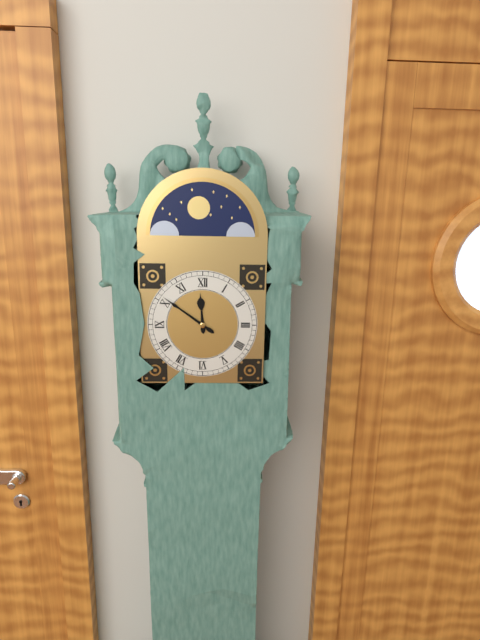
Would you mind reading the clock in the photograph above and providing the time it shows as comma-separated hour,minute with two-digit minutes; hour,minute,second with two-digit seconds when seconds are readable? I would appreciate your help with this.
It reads 11,51
